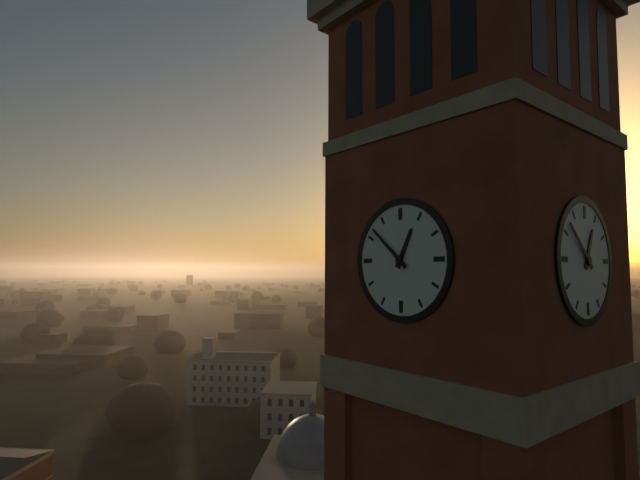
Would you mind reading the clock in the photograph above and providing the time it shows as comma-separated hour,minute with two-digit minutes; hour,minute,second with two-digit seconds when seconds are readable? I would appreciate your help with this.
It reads 12,52
